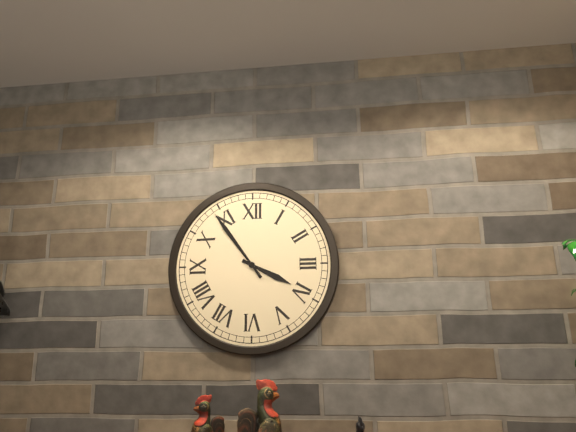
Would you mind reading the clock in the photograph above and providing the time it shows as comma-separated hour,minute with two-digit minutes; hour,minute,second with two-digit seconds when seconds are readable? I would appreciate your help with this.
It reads 3,54
